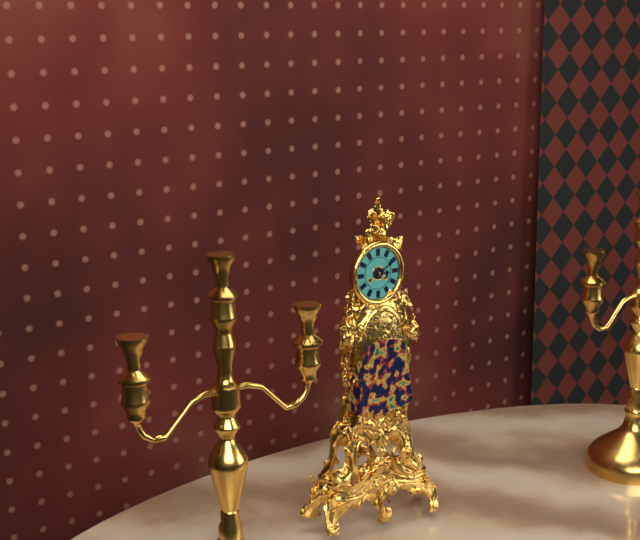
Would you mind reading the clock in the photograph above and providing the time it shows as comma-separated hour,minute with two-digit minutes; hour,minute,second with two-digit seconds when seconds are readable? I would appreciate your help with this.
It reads 3,10
